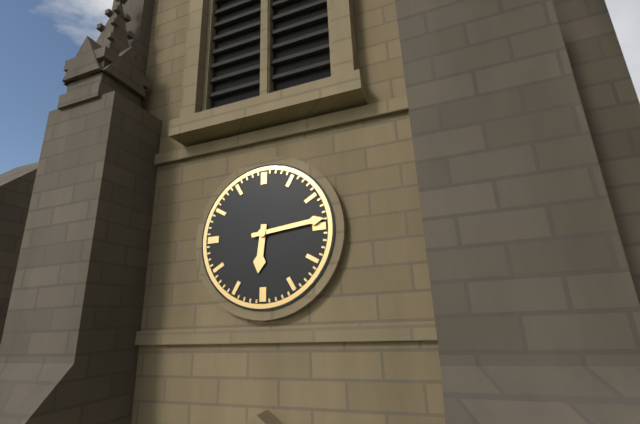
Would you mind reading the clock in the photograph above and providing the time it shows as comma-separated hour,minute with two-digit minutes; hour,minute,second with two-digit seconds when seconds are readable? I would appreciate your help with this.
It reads 6,14
